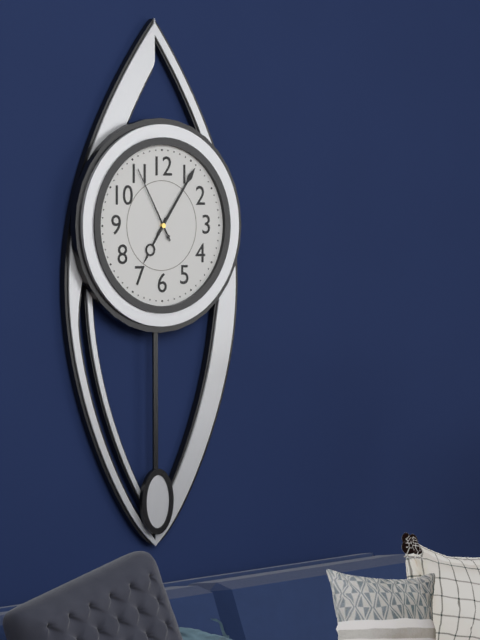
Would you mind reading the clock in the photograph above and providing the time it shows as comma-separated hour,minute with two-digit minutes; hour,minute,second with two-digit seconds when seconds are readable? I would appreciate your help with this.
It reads 7,06,55
